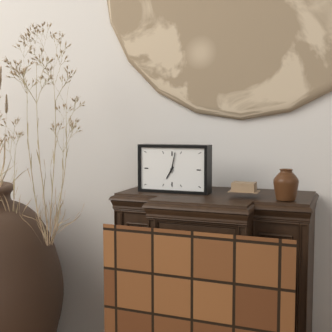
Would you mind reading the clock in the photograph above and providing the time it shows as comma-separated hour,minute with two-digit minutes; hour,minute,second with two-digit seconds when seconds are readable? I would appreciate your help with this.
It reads 7,02
